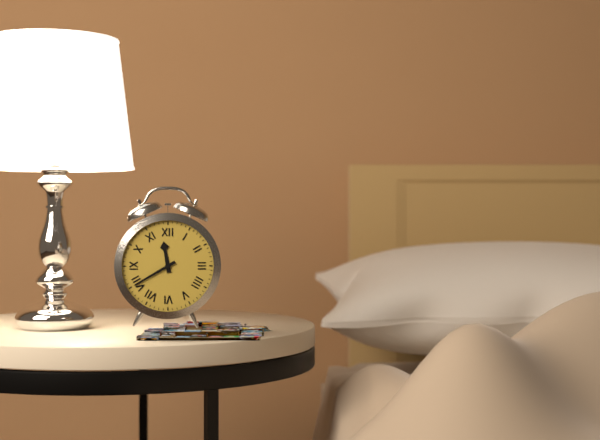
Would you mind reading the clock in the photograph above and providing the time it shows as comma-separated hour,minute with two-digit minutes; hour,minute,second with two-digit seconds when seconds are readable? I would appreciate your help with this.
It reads 11,40
